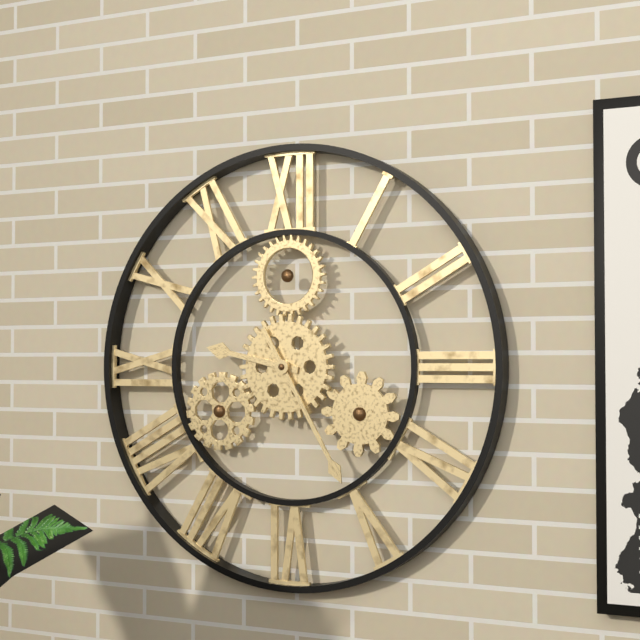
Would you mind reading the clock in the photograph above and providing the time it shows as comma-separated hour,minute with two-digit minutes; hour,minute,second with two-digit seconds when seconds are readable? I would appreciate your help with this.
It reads 9,25
